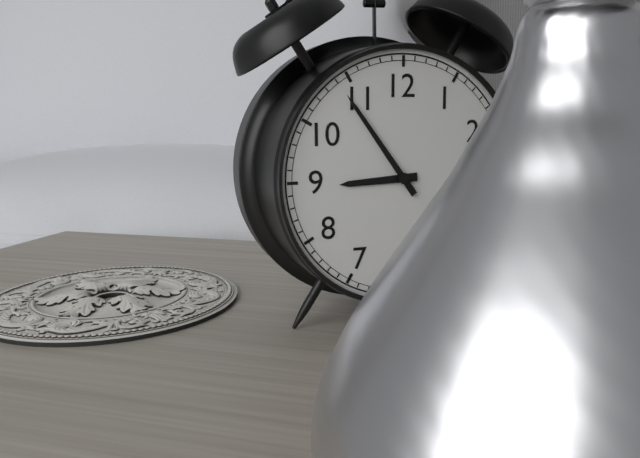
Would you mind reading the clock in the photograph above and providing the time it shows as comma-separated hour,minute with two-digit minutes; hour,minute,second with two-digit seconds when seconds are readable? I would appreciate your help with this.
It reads 8,54
